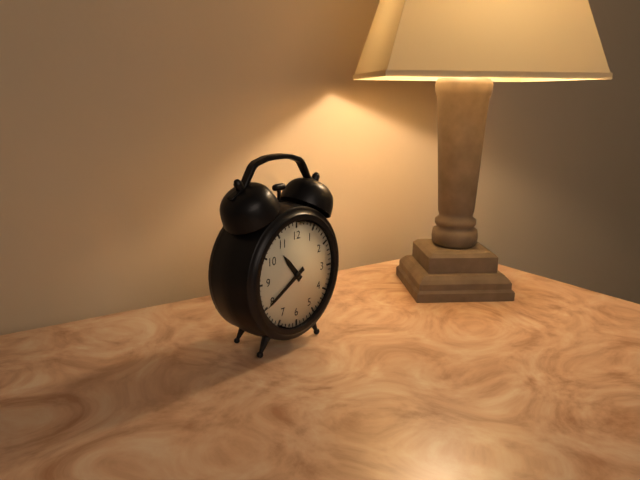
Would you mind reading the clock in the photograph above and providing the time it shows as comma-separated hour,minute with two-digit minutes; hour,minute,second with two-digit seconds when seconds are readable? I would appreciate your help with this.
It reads 10,40
